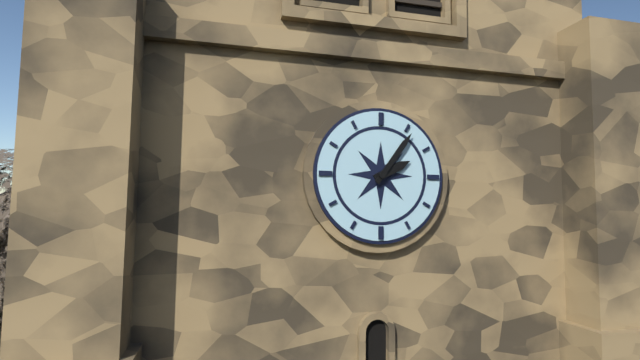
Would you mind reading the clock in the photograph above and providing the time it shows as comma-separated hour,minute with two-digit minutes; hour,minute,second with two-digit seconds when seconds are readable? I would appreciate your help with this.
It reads 2,06
